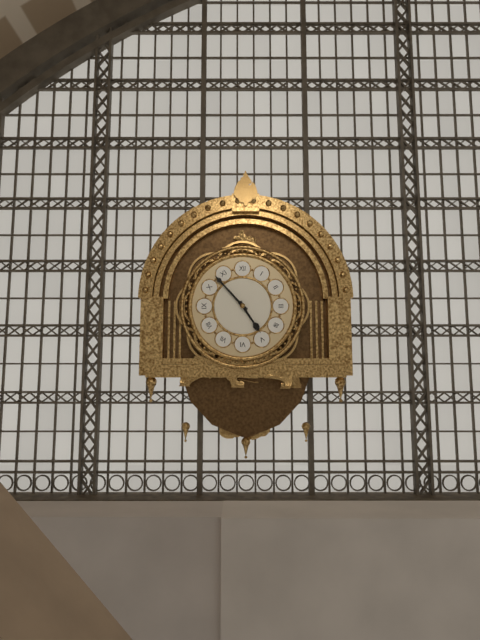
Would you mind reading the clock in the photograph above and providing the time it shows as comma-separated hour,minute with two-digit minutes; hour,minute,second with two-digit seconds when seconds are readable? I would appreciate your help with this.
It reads 4,53
